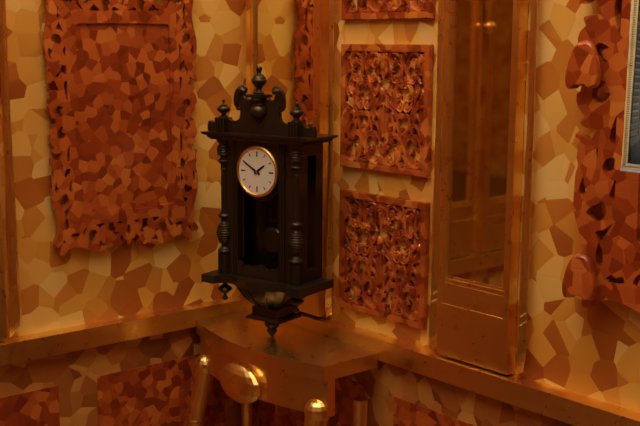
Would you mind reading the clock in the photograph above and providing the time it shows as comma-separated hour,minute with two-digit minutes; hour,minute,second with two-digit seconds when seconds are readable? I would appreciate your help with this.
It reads 1,50
